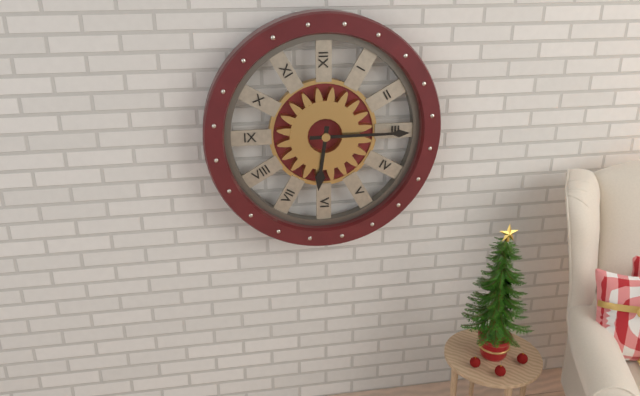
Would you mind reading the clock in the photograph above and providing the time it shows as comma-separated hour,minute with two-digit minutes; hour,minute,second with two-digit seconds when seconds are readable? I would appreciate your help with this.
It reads 6,15
